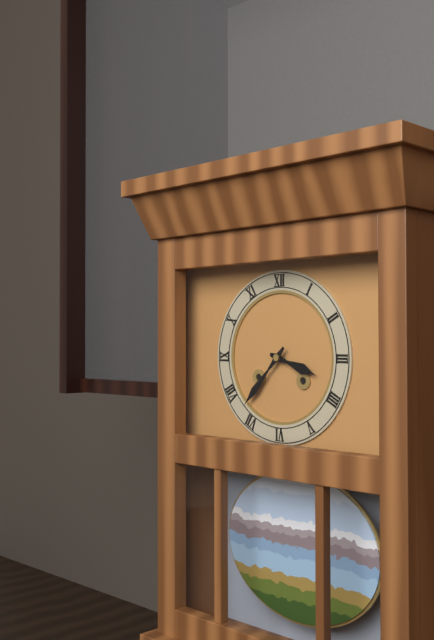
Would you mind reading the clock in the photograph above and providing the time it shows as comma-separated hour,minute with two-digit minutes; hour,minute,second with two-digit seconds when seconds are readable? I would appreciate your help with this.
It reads 3,37
